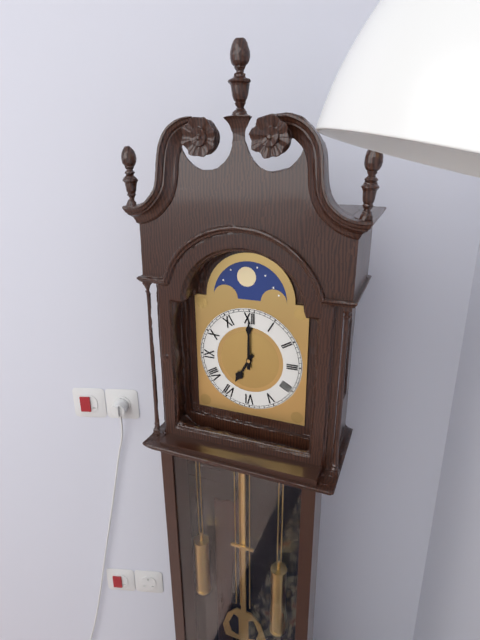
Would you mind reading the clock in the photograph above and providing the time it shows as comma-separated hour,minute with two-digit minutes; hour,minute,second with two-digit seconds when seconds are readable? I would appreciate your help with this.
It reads 7,00
